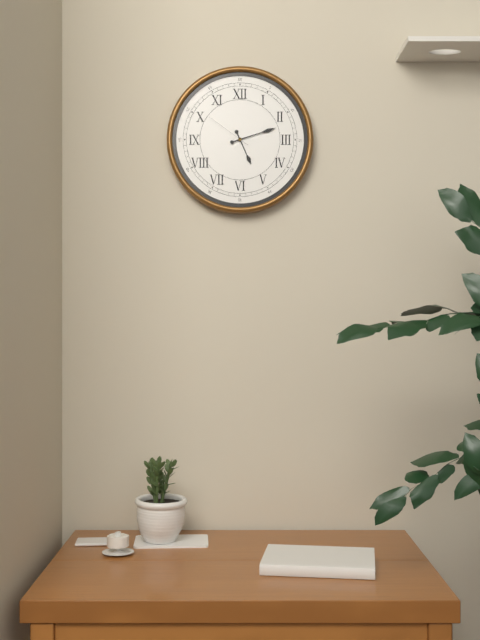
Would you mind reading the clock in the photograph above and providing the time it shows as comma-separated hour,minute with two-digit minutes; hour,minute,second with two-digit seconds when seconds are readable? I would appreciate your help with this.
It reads 5,12,51
